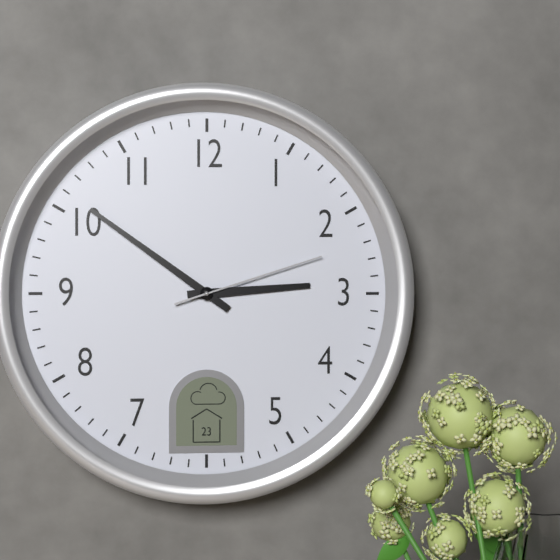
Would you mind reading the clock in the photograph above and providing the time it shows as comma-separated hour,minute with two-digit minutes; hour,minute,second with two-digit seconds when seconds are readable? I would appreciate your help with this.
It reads 2,51,12
